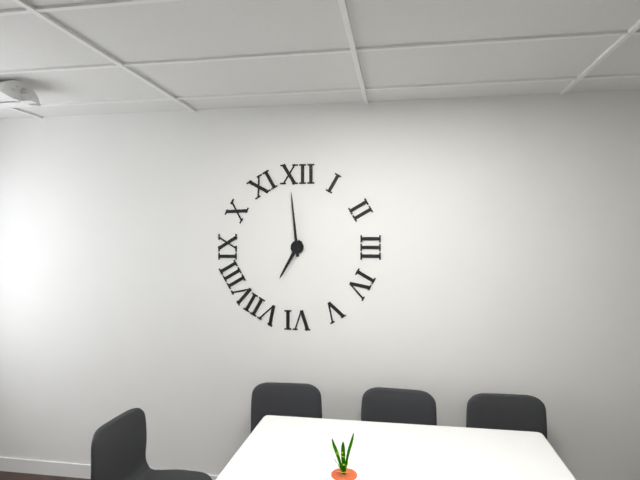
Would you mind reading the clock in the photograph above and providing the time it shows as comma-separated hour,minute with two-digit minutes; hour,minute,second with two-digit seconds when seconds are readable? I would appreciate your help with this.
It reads 6,59
